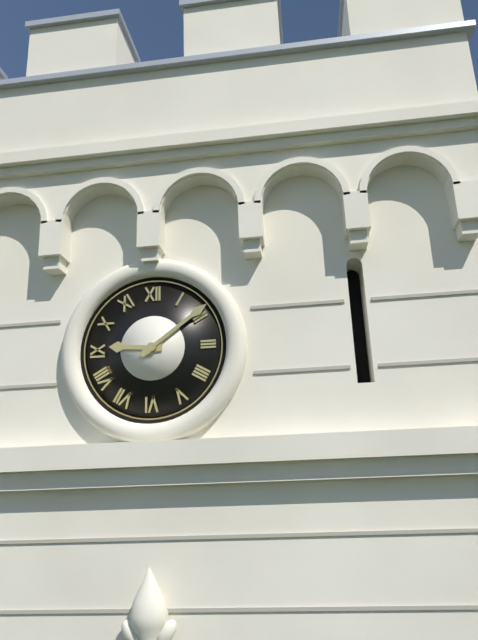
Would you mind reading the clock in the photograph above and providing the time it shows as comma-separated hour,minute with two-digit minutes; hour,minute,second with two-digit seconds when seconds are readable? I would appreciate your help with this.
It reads 9,09
